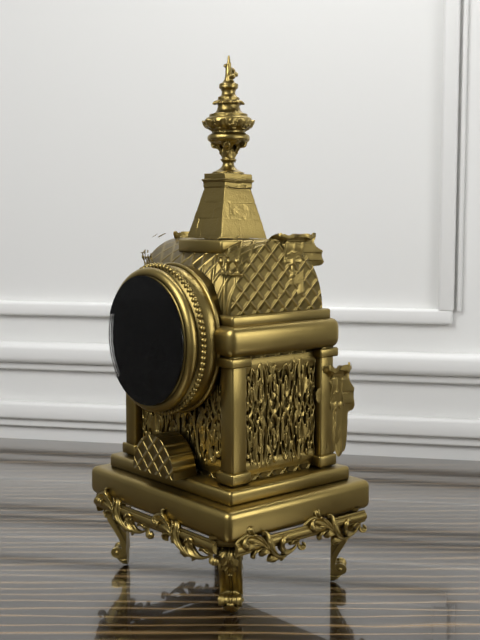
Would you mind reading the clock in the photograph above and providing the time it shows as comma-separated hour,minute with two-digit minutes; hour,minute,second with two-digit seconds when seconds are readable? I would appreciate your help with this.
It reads 9,32
